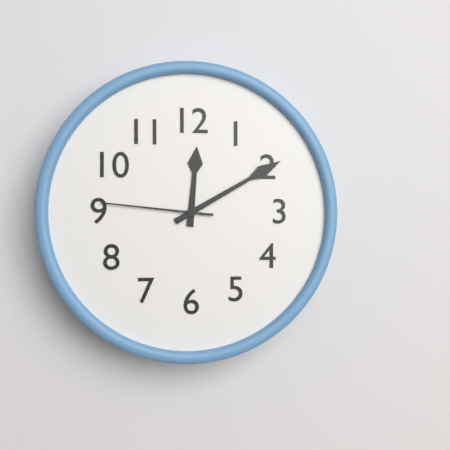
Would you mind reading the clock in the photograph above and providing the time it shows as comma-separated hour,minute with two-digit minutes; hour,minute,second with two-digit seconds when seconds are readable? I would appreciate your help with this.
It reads 12,10,46
